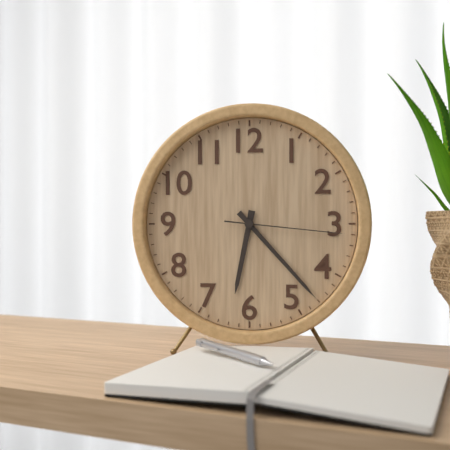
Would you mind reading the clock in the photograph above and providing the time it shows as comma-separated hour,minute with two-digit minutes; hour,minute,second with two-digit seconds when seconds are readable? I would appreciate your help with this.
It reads 6,23,16
